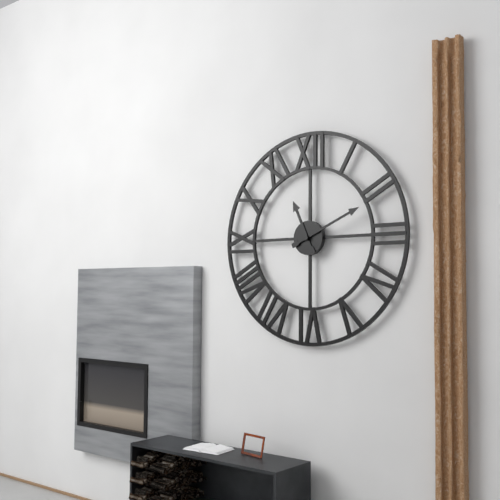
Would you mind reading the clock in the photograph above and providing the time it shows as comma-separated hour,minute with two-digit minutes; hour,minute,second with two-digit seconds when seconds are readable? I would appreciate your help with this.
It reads 11,11
